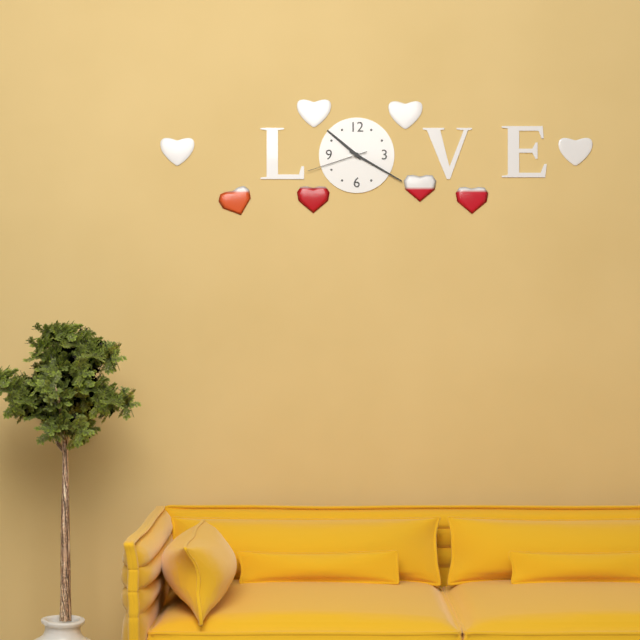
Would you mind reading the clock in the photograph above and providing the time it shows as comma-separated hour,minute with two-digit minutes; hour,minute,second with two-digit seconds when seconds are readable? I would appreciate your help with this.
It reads 10,20,42
